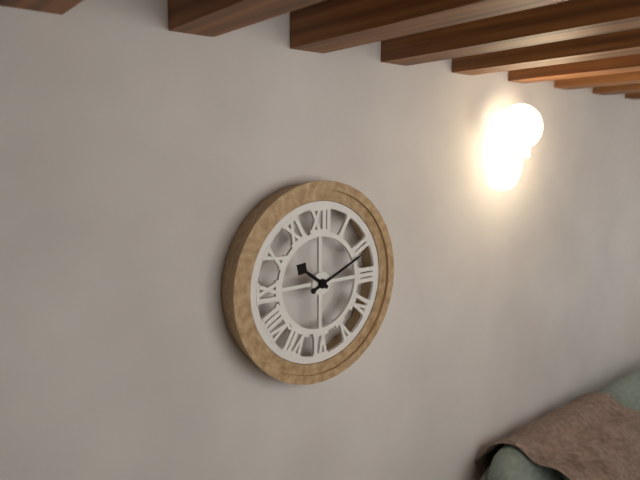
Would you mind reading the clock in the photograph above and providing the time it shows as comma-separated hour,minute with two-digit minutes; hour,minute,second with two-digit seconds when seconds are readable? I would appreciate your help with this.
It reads 10,11
